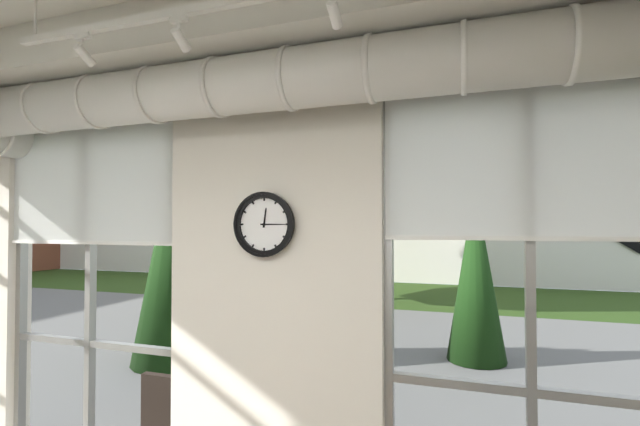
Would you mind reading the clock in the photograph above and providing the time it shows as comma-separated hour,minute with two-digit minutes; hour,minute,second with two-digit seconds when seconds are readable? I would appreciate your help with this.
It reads 12,15
